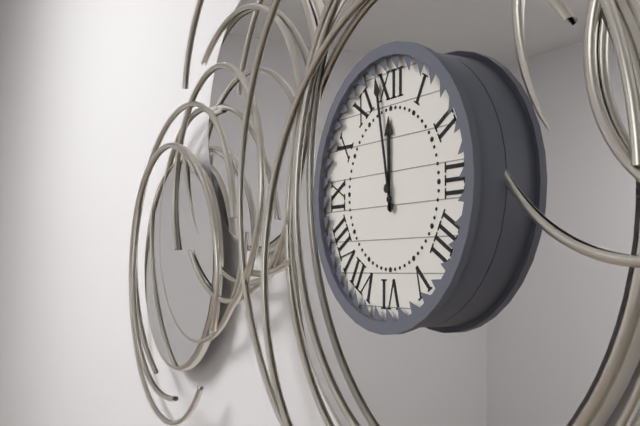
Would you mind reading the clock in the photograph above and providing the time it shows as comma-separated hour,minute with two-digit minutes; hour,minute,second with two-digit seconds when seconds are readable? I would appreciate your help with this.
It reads 11,58
